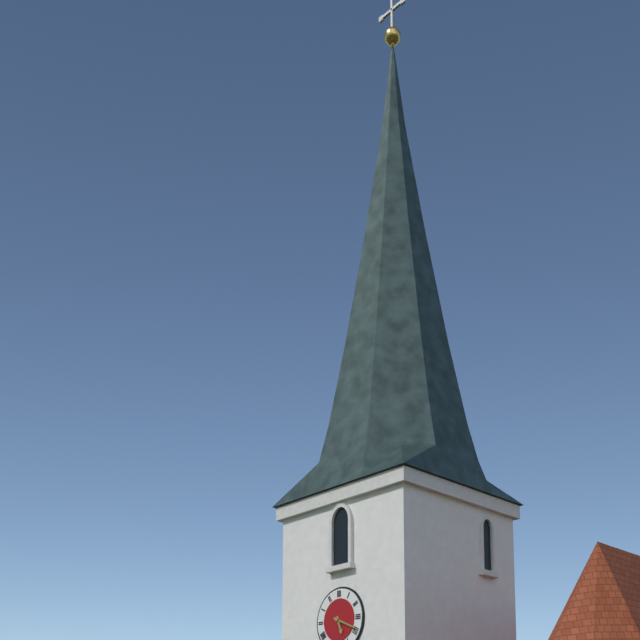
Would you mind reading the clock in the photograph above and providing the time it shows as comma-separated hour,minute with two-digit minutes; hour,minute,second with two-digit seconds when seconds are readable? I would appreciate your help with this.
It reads 5,19
